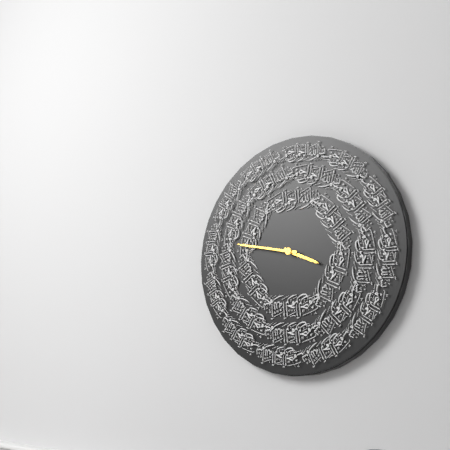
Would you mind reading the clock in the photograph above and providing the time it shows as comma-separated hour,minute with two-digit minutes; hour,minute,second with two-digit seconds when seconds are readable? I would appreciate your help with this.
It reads 3,47
